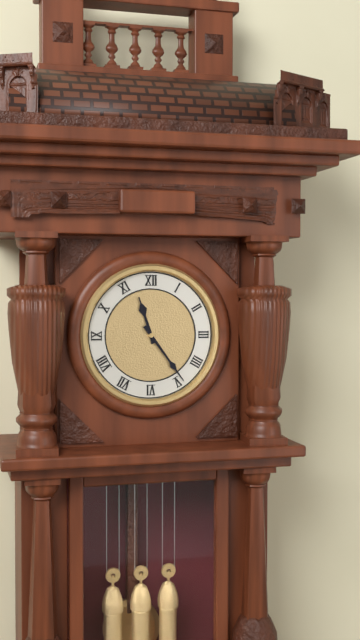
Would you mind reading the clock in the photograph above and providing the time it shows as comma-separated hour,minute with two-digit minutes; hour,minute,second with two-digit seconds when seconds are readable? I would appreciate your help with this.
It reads 11,24
